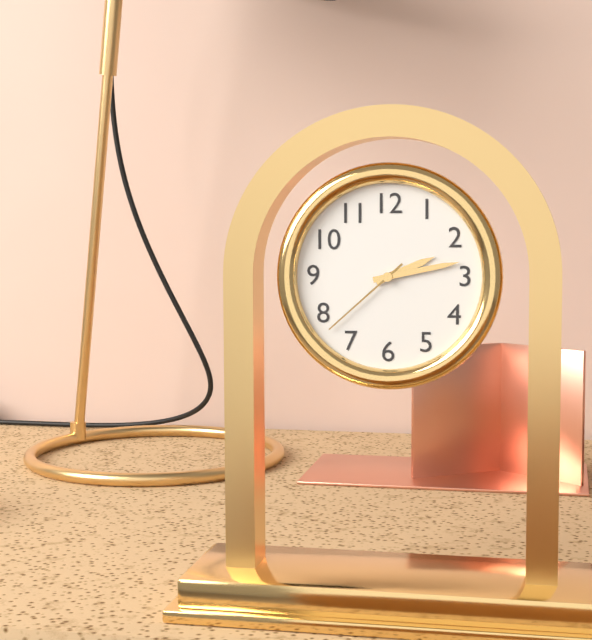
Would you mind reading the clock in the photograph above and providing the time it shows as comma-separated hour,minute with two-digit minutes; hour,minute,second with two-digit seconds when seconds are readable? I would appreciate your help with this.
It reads 2,13,38
